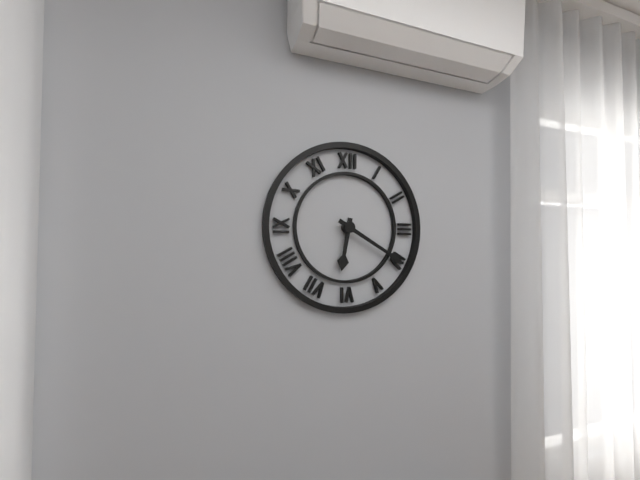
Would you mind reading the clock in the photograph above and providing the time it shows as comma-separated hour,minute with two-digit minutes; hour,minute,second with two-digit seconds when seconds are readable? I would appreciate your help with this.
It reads 6,20
